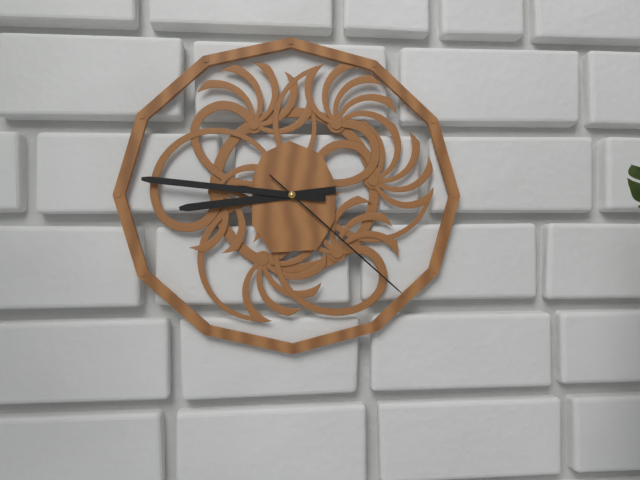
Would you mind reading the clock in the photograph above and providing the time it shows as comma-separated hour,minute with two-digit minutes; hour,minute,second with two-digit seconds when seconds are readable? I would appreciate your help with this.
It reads 8,46,22
